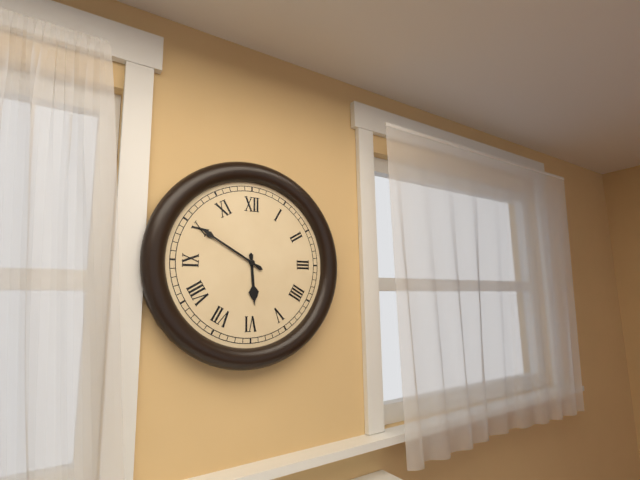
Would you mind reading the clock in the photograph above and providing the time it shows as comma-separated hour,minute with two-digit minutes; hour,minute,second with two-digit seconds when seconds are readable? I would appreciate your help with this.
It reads 5,50
